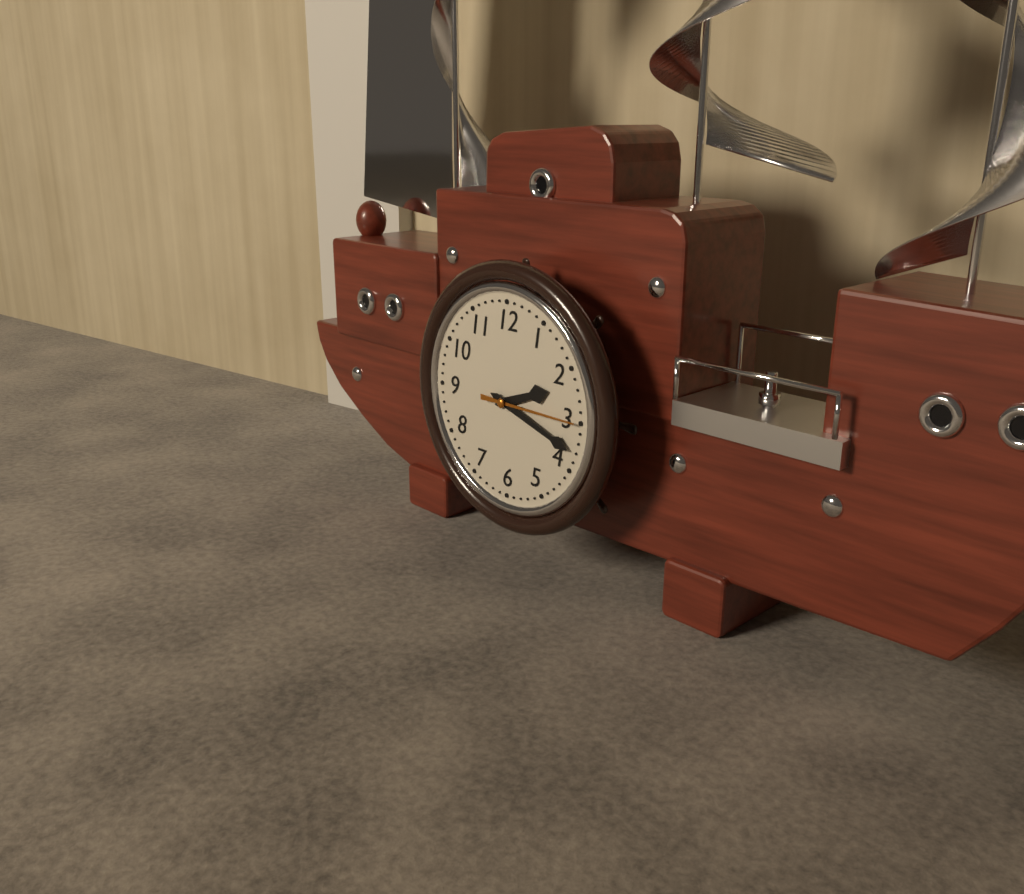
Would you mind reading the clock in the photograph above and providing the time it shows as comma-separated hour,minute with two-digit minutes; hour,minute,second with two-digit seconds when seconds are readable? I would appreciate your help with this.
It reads 2,18,15
